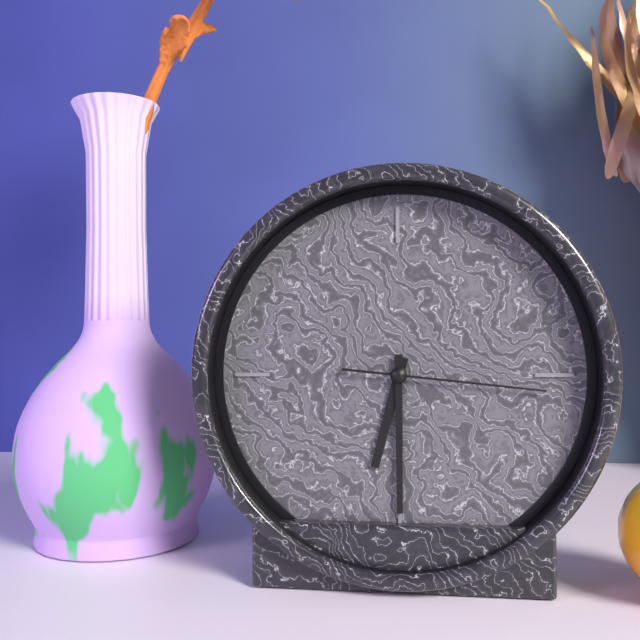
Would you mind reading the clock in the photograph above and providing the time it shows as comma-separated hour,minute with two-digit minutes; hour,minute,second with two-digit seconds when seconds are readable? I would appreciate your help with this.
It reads 6,30,16
